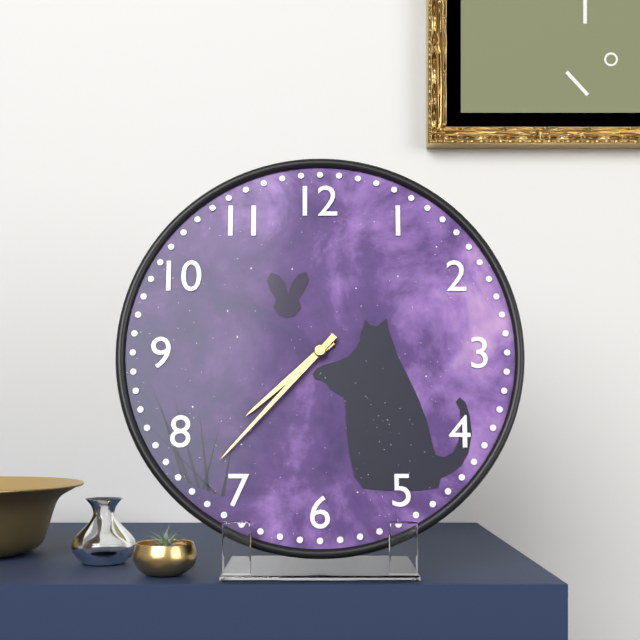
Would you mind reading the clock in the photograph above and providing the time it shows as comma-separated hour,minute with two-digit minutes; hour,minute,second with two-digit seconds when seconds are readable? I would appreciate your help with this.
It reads 7,37
